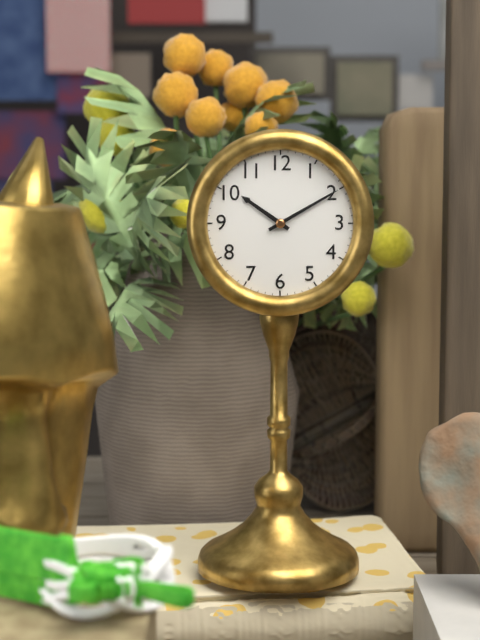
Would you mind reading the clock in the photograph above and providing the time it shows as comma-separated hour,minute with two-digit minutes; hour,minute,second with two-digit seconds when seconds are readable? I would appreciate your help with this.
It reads 10,10
